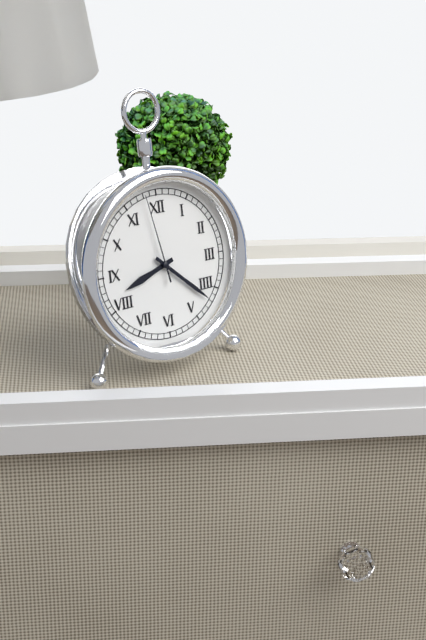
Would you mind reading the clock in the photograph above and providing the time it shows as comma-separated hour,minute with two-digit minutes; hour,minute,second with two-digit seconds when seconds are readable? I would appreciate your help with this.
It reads 8,22,58
